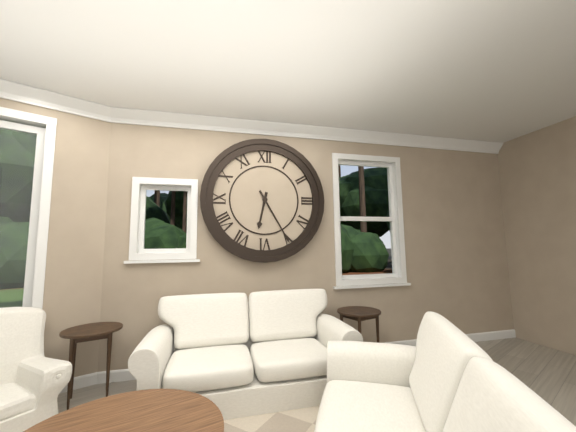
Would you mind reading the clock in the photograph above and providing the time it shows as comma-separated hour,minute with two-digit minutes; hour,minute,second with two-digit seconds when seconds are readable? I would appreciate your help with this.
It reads 6,25
